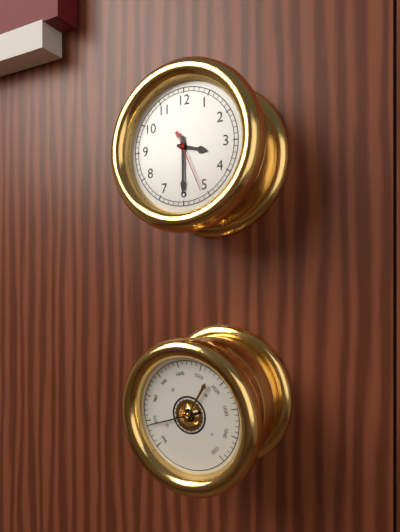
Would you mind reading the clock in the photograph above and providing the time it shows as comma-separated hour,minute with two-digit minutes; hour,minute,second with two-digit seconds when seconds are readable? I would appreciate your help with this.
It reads 3,30,26
